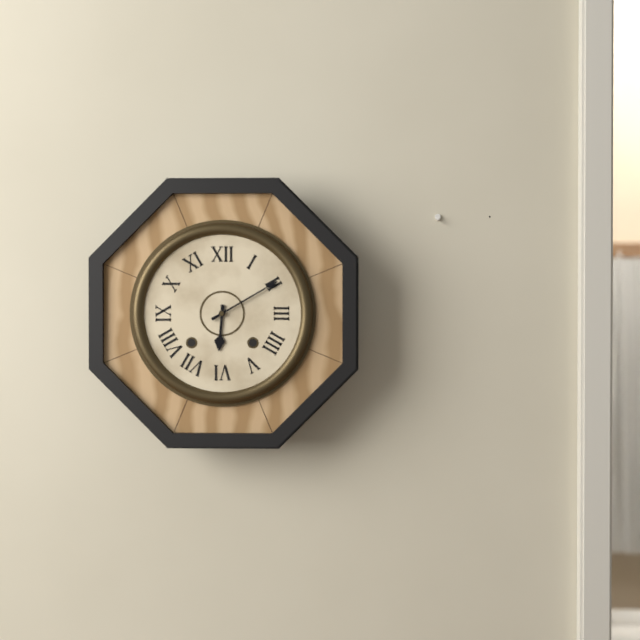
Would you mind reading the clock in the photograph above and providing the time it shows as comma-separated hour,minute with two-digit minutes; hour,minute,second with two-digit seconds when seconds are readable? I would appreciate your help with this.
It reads 6,10
